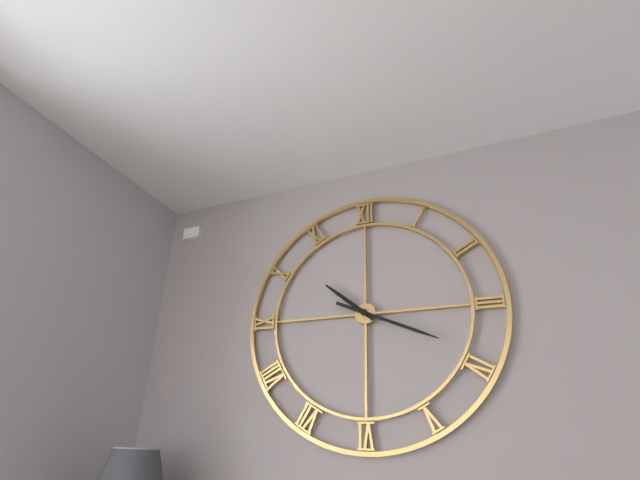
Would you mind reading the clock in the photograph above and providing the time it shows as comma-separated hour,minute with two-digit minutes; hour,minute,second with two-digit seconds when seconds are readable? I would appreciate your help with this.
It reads 10,19
